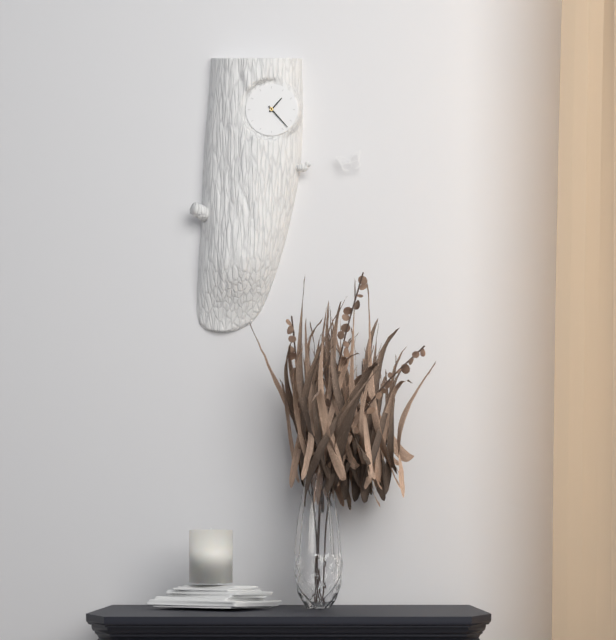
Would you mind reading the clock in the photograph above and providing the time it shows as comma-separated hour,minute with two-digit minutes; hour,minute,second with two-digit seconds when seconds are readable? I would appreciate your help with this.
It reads 1,23
